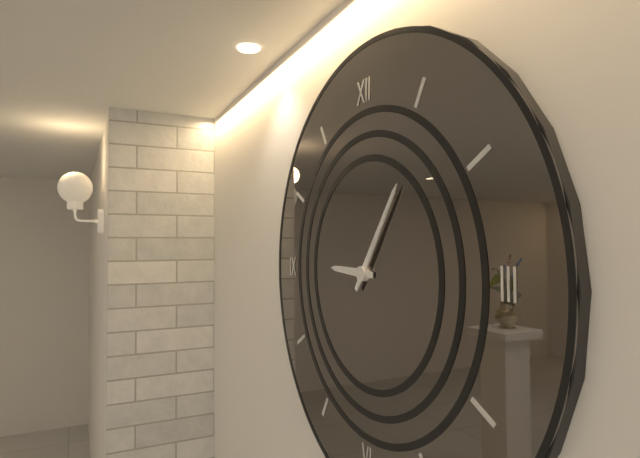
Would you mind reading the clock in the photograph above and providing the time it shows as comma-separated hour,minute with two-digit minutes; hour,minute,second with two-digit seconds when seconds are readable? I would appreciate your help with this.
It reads 9,06
